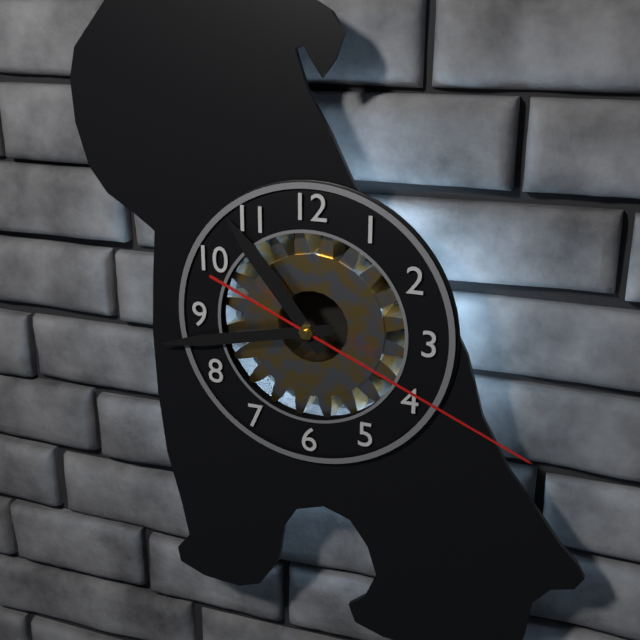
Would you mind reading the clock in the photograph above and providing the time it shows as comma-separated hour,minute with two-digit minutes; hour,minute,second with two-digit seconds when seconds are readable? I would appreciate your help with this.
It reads 10,43,19
